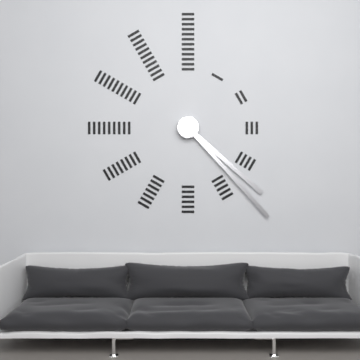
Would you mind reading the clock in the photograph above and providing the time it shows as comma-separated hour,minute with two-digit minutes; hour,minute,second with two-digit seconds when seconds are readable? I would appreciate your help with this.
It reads 4,23
